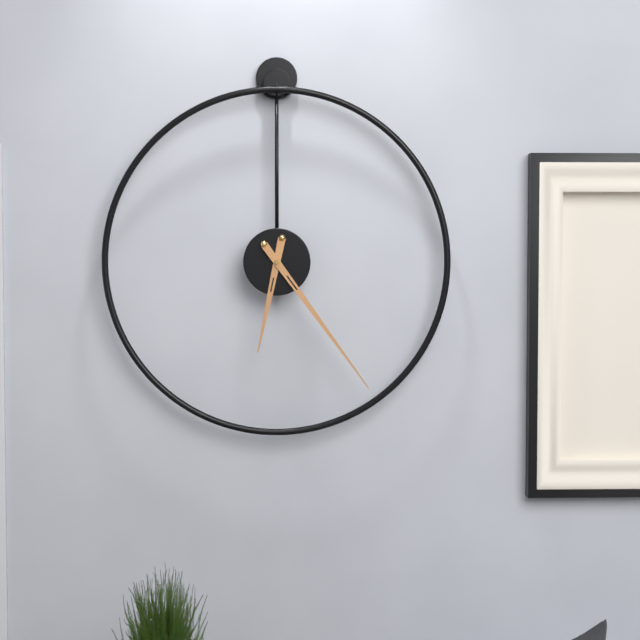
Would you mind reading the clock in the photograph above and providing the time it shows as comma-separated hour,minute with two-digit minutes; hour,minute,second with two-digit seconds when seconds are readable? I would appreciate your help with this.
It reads 6,24
